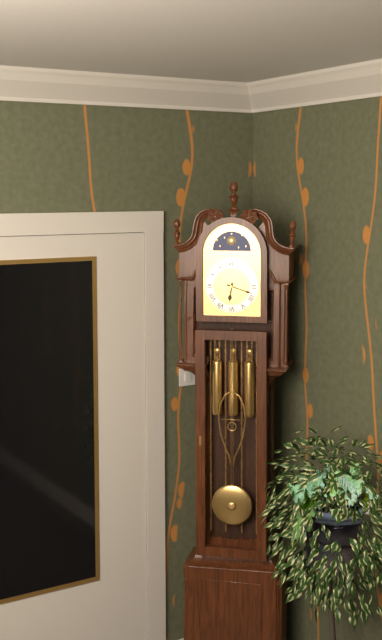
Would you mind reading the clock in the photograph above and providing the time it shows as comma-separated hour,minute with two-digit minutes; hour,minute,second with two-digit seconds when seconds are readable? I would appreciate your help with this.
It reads 6,18
